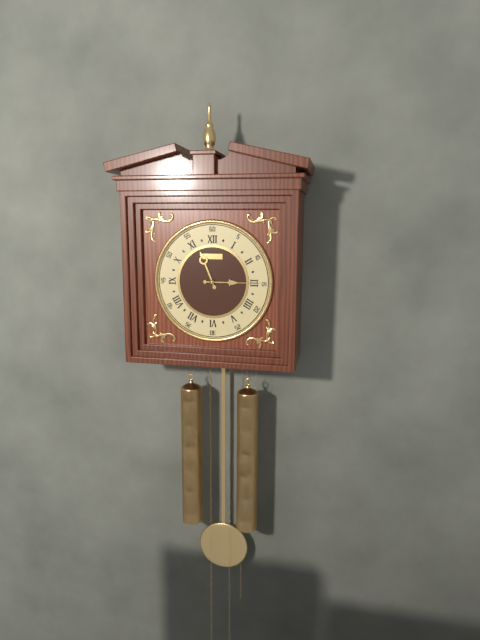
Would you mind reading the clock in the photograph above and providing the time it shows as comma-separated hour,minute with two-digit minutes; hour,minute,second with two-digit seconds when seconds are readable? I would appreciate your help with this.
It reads 11,15
